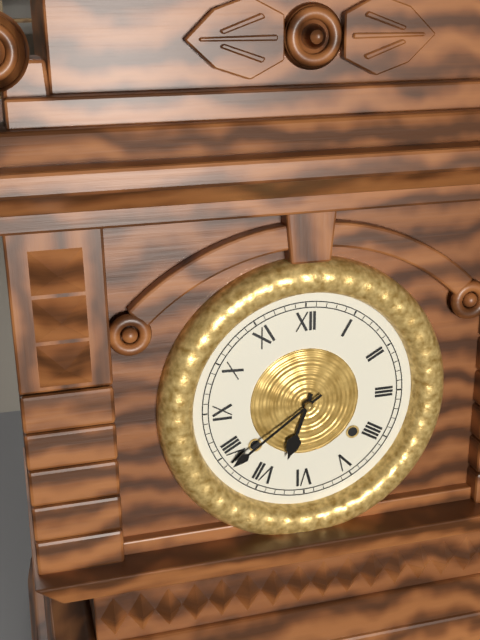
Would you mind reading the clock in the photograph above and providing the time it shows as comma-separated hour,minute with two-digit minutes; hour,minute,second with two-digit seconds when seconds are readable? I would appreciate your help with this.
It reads 6,39
